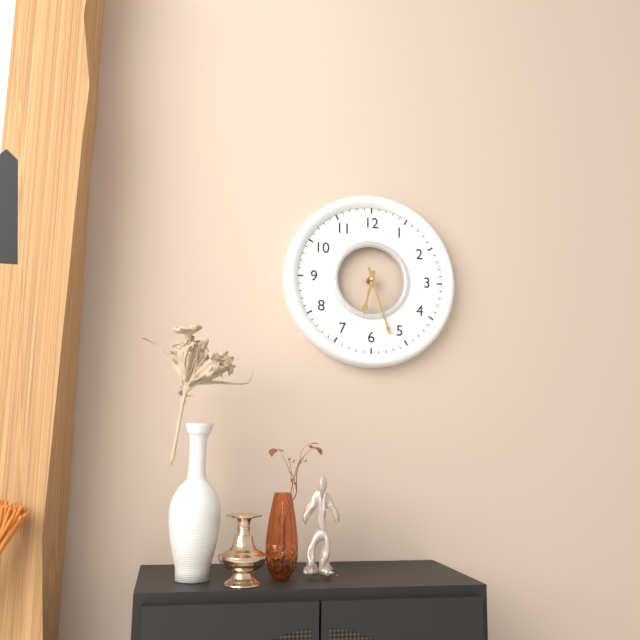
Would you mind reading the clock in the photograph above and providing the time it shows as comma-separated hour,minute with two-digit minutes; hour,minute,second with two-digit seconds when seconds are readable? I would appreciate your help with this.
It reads 6,27
